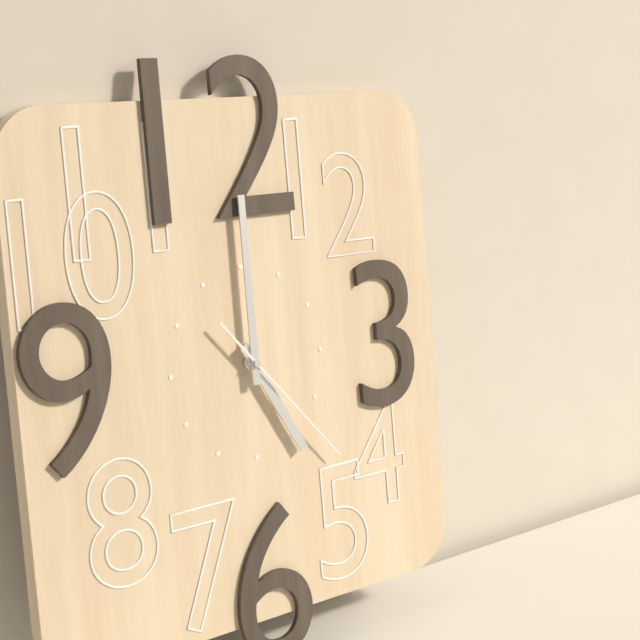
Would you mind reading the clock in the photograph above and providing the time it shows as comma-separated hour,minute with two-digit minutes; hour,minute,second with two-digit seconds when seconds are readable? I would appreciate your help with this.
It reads 5,00,23
